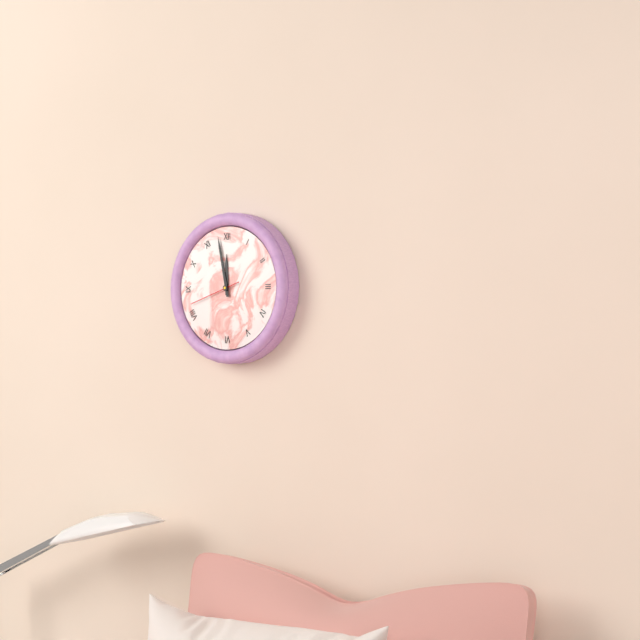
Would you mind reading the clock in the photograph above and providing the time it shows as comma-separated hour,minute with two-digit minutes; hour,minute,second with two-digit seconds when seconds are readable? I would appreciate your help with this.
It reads 11,58
